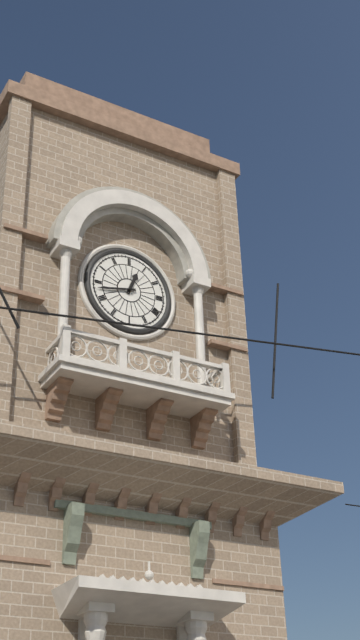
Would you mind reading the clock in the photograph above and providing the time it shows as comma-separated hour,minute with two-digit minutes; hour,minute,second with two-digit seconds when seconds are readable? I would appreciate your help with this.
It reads 12,43
